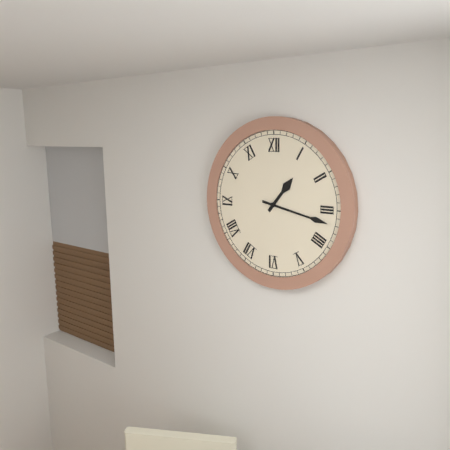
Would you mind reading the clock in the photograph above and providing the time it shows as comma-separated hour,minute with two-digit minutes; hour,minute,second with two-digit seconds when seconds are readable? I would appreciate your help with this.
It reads 1,17
